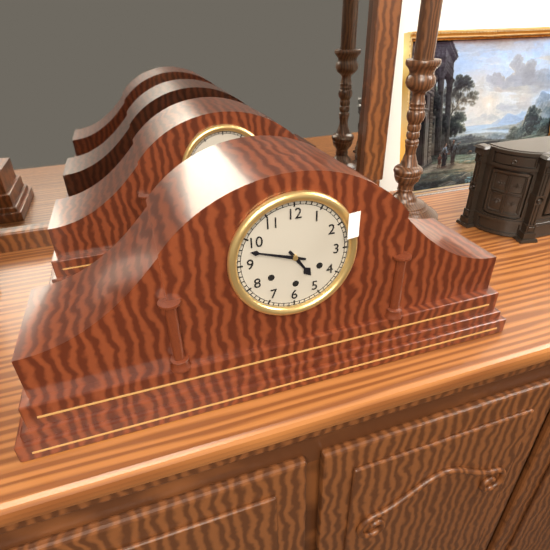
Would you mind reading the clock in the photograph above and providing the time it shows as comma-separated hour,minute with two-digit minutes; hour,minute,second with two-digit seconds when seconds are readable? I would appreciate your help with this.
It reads 4,48
